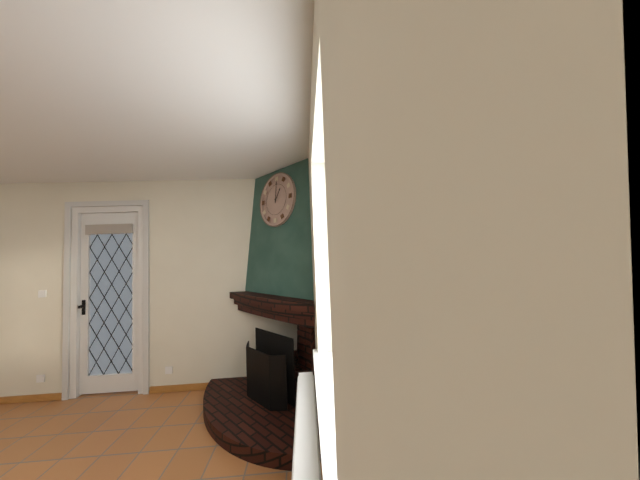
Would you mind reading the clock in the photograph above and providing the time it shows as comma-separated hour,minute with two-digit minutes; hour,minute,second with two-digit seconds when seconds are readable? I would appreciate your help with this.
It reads 1,00
